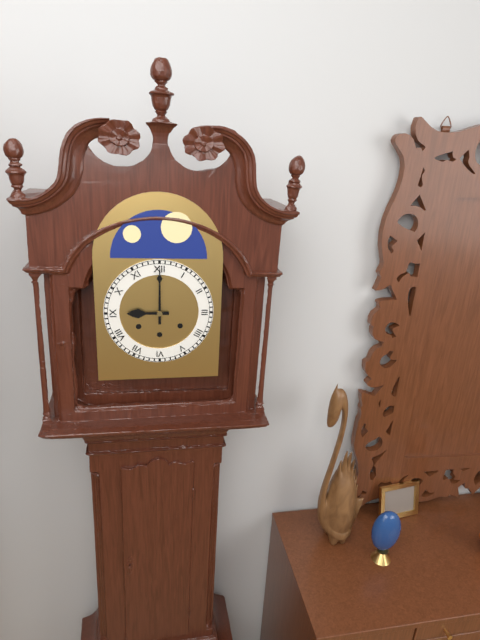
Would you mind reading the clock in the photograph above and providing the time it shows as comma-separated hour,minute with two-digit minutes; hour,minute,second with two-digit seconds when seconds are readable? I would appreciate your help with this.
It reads 9,00
